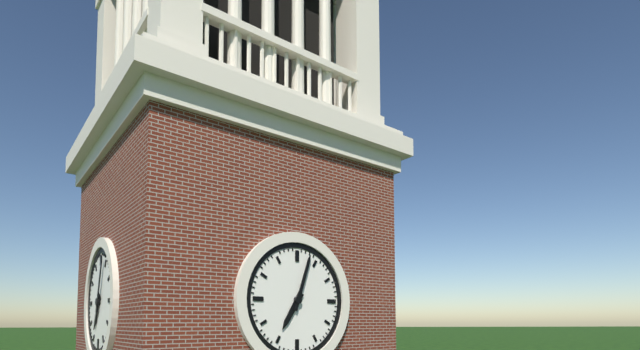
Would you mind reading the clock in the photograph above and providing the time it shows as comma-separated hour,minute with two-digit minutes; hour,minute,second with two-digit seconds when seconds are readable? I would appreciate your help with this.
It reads 7,03
